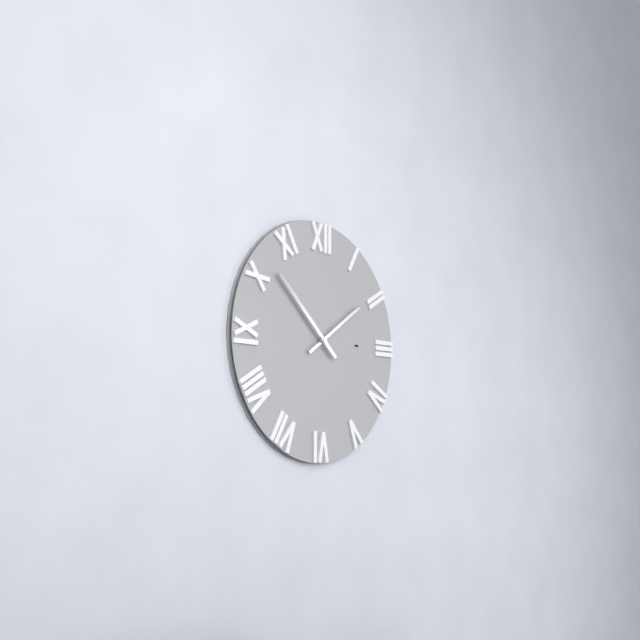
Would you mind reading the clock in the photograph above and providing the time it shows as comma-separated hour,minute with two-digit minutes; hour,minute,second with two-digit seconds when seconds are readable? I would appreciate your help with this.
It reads 1,52
